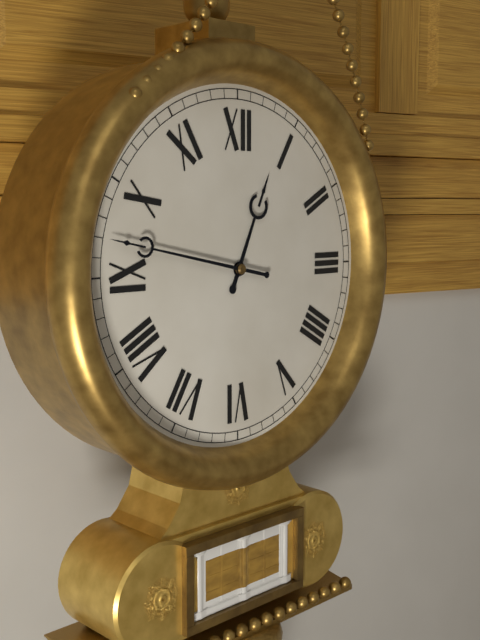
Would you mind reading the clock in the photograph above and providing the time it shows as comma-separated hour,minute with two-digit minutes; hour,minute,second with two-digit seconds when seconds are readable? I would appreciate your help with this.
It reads 12,47
